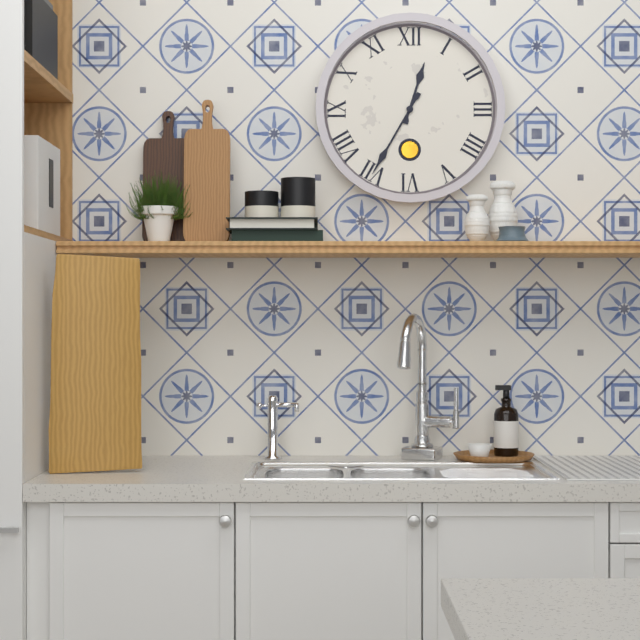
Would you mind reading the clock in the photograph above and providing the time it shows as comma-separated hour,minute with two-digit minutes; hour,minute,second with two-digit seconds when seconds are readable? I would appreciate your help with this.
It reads 12,35
